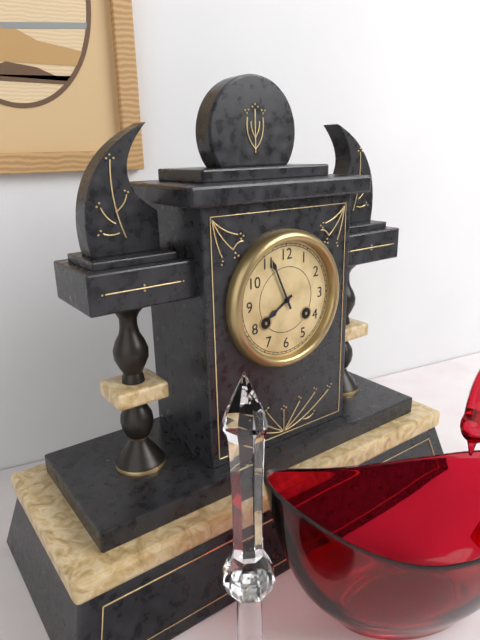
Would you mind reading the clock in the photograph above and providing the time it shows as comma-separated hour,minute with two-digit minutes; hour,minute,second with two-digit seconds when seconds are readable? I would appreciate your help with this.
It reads 7,56
